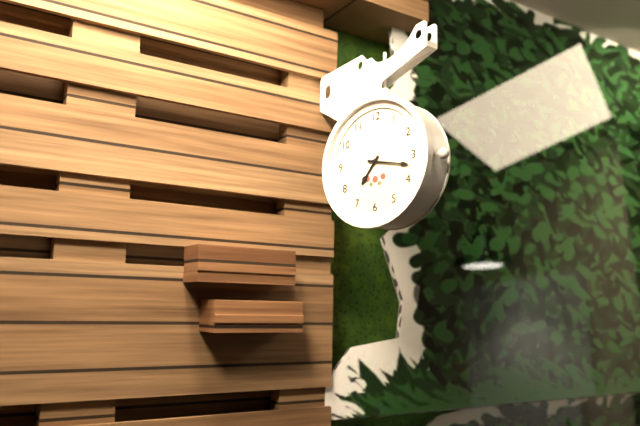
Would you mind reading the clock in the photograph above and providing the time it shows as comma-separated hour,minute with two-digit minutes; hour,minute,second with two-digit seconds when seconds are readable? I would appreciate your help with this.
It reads 7,17
